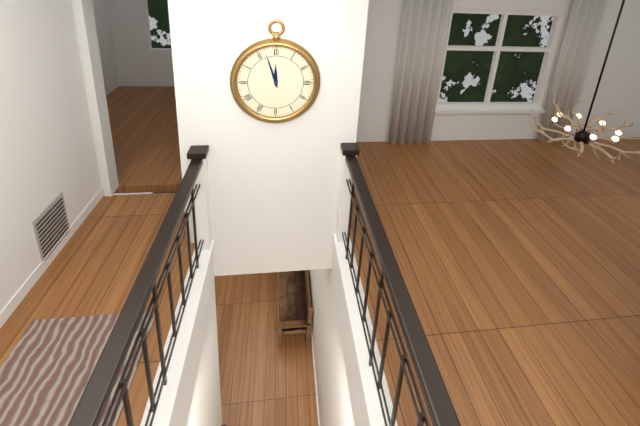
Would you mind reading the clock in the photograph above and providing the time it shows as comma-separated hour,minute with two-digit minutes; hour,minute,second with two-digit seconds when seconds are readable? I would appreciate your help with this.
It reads 11,57
